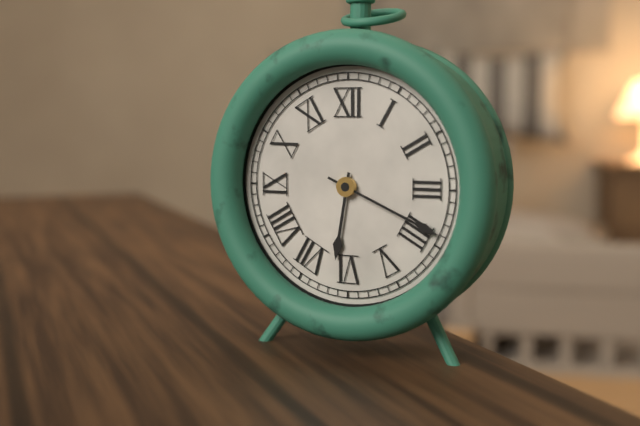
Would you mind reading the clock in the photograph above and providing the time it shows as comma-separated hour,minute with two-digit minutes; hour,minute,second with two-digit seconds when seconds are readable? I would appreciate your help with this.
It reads 6,19
